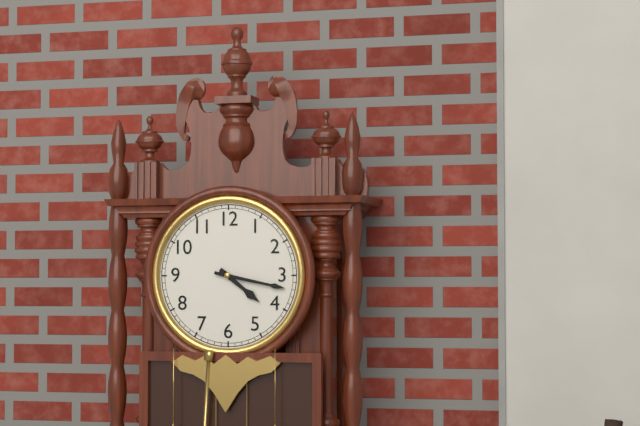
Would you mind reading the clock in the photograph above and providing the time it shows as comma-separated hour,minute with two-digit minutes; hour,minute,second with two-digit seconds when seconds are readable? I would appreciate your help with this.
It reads 4,17
